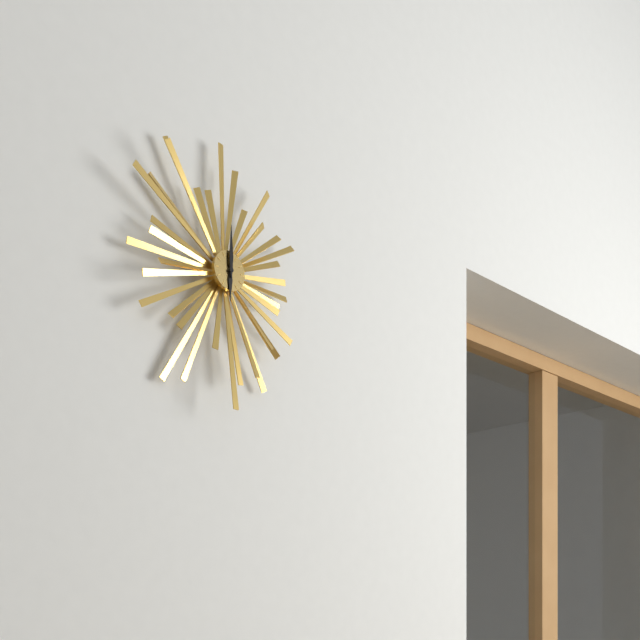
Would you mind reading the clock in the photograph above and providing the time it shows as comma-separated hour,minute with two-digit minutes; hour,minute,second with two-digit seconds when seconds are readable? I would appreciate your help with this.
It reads 6,00
